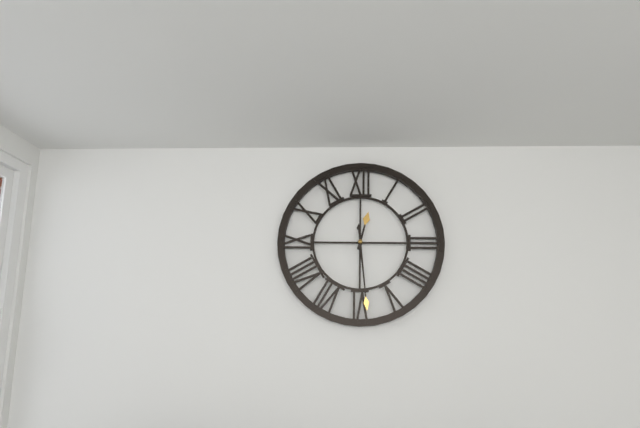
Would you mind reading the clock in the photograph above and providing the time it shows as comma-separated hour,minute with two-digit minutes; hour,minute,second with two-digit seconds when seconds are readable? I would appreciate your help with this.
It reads 12,29
